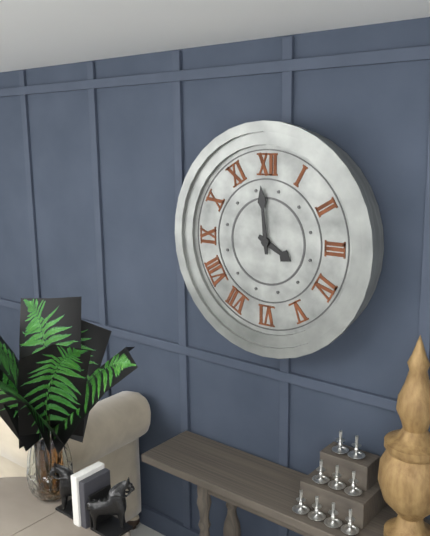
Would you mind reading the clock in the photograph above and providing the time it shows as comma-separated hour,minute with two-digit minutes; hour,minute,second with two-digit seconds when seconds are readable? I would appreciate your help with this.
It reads 3,59
